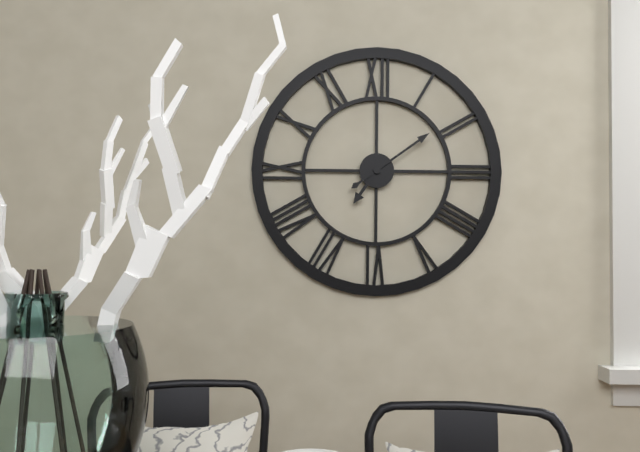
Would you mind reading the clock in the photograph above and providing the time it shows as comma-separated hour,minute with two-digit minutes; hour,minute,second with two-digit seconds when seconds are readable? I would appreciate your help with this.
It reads 7,09
